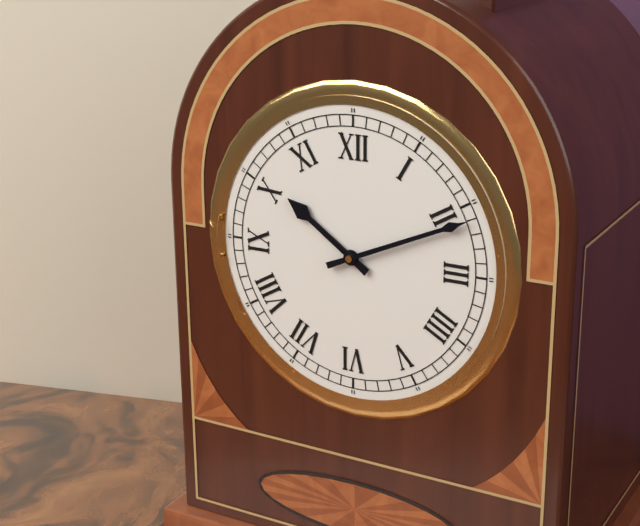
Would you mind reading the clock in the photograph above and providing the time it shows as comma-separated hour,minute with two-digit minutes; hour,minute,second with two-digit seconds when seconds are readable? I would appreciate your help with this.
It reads 10,11
